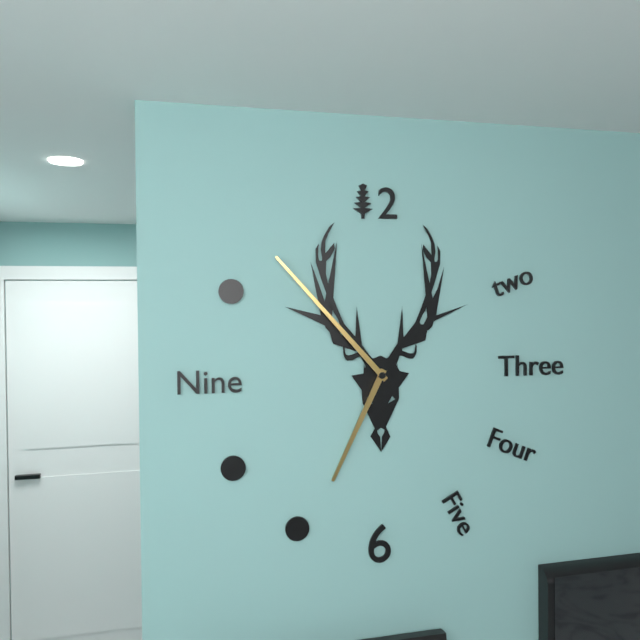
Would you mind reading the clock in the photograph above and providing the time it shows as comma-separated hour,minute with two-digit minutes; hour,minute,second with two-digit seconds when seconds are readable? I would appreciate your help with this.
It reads 6,53
